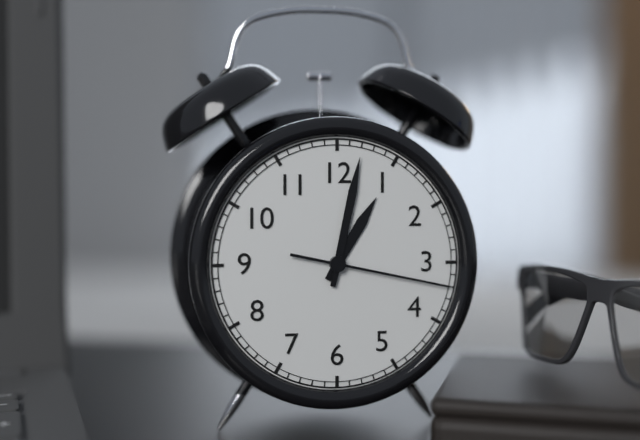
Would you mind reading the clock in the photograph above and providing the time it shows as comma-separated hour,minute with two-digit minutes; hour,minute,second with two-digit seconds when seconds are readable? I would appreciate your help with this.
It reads 1,02,17
